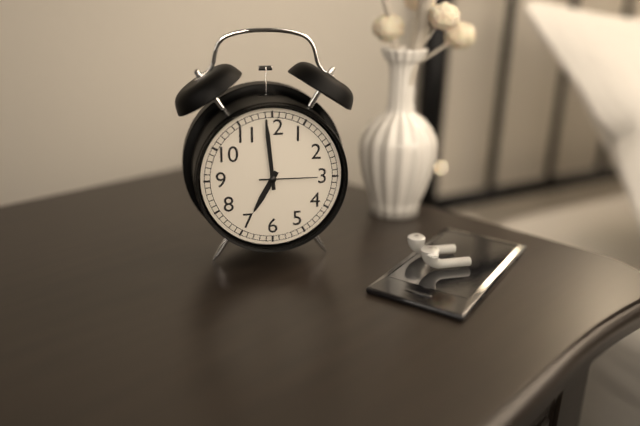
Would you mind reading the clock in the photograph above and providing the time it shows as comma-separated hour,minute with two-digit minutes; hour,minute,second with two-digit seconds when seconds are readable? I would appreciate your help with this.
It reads 6,59,15
